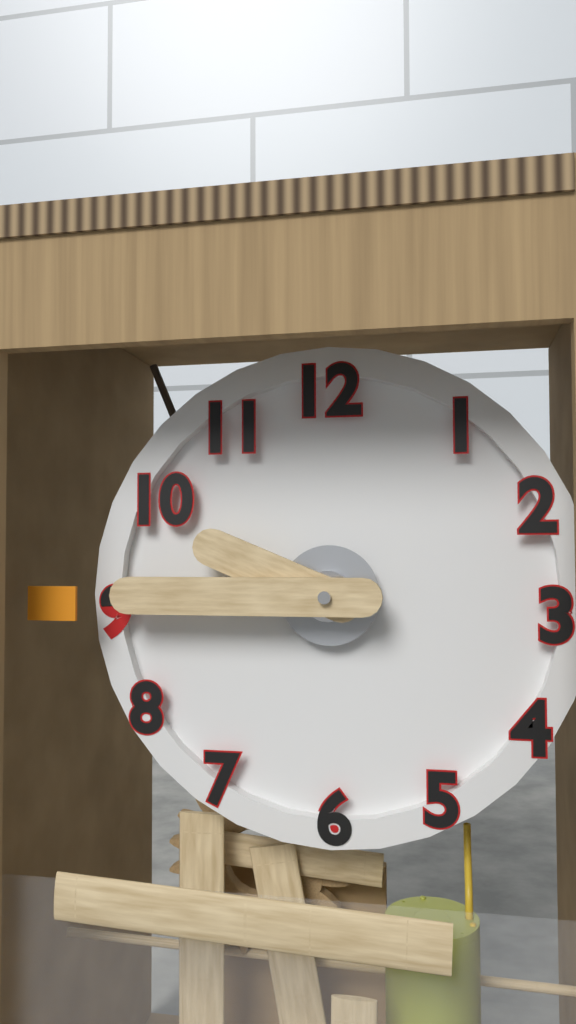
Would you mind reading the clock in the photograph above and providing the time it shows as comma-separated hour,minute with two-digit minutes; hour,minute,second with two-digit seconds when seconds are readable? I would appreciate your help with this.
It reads 9,45
